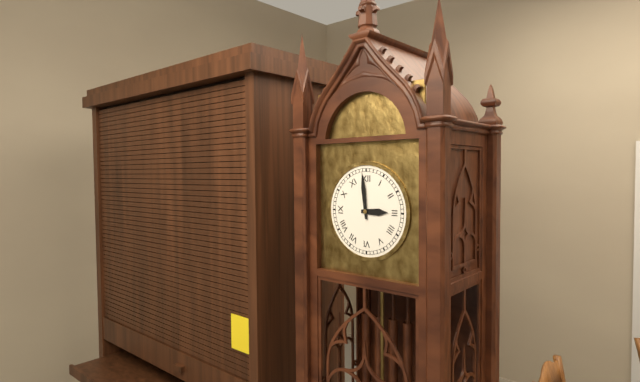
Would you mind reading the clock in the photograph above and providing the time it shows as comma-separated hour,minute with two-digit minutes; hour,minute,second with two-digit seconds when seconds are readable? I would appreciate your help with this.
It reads 2,59
